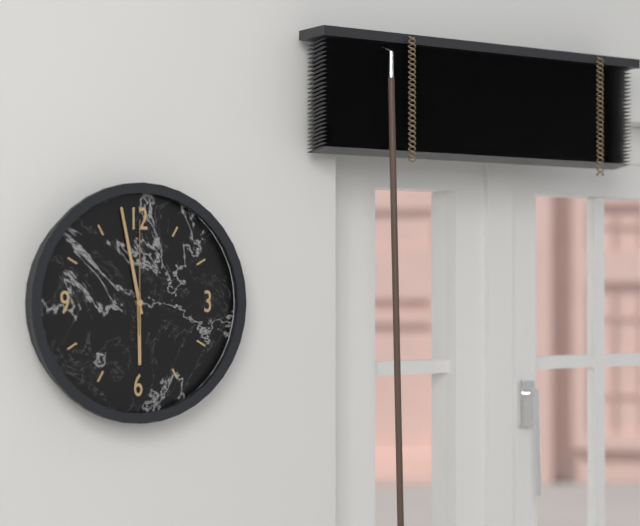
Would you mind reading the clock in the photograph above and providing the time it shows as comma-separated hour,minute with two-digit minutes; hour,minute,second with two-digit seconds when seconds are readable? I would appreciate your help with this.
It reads 5,58,00
